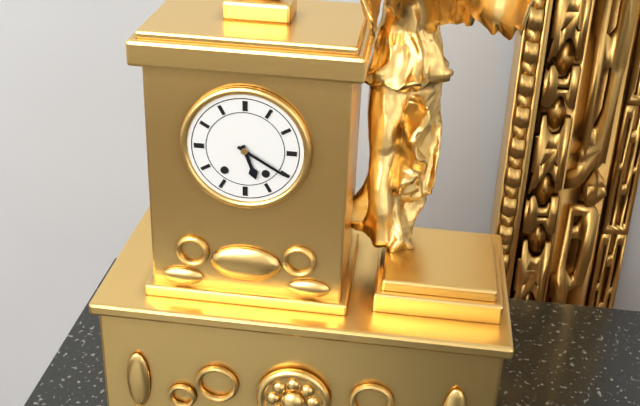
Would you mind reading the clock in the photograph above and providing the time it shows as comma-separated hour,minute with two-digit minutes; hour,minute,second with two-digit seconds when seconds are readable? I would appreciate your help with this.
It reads 5,20
